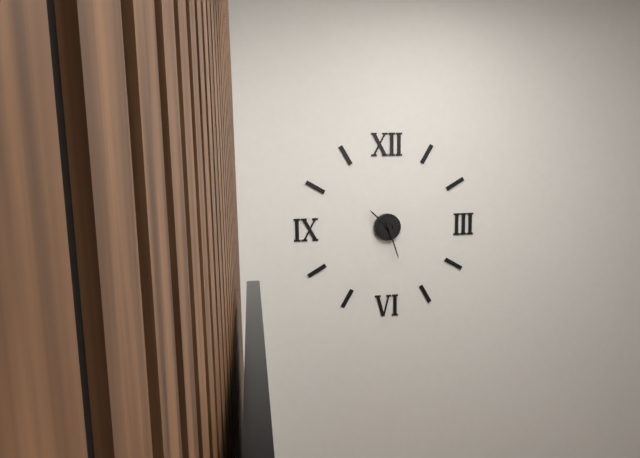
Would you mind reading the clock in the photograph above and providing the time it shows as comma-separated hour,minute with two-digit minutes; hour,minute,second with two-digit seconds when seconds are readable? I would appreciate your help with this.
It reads 10,27
